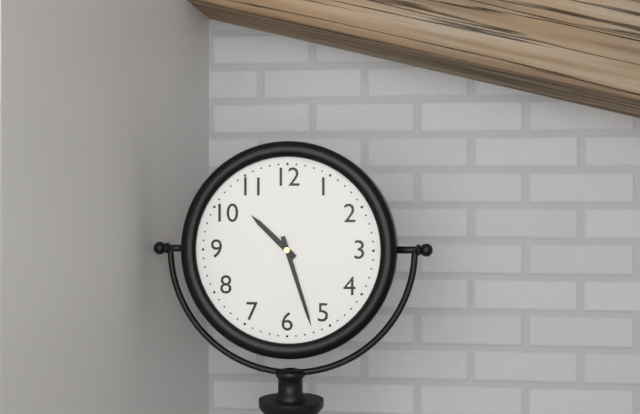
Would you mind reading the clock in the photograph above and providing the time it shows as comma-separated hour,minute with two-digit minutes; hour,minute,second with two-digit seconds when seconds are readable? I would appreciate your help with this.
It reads 10,27
